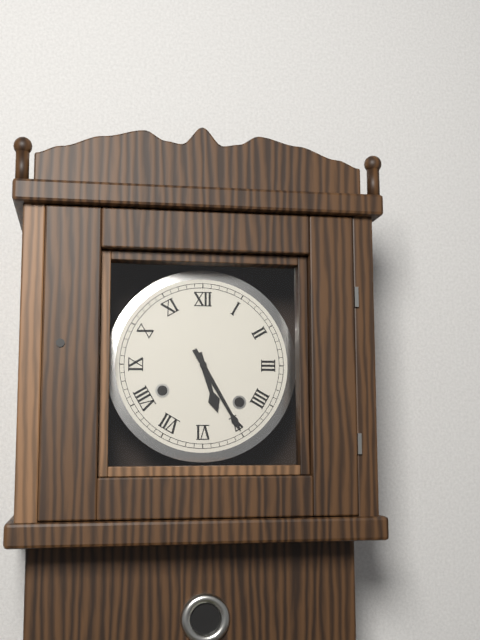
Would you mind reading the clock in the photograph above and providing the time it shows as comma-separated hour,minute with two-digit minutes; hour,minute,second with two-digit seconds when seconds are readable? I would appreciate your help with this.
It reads 5,25
